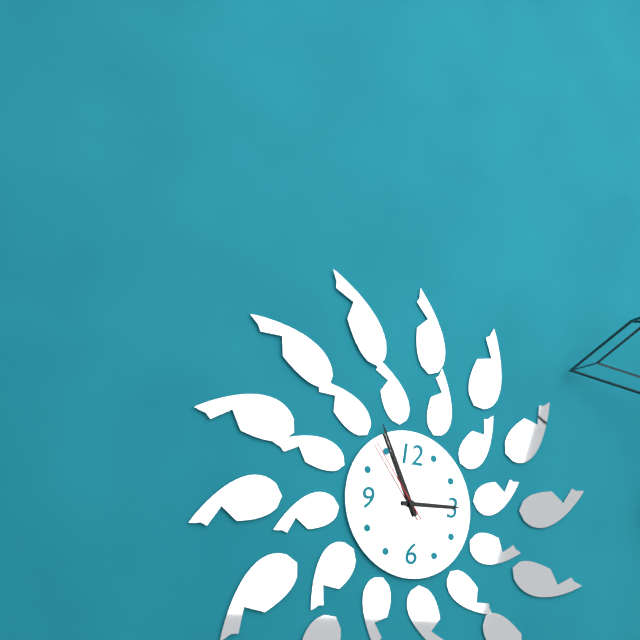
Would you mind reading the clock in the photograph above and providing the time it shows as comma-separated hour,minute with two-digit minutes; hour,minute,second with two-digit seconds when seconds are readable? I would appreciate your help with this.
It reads 2,56,54
